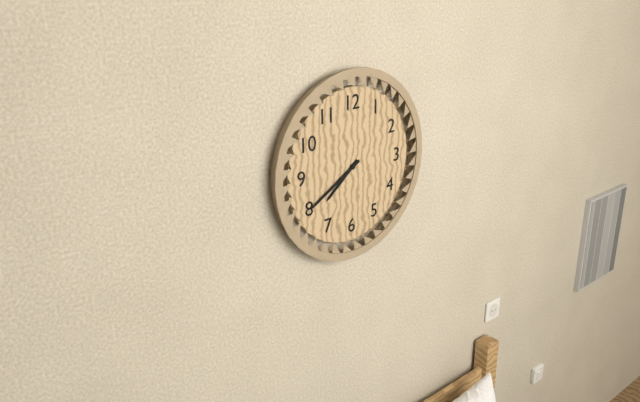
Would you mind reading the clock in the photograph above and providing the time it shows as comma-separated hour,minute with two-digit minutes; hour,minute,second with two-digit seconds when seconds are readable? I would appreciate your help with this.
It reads 7,40
